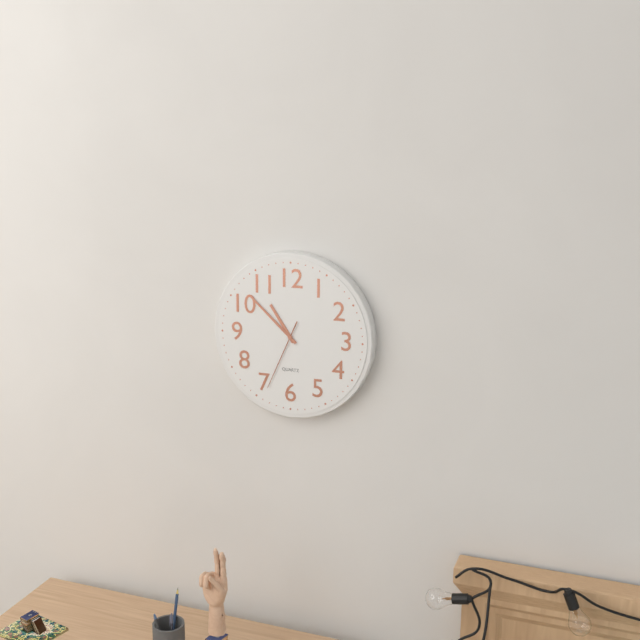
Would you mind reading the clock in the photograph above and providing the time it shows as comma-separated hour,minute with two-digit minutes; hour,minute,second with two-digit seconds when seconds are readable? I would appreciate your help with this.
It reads 10,52,34
